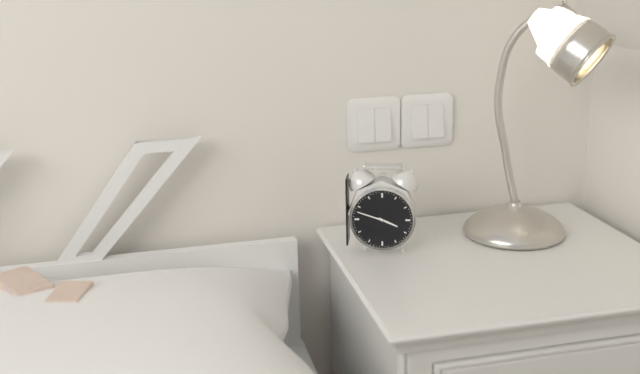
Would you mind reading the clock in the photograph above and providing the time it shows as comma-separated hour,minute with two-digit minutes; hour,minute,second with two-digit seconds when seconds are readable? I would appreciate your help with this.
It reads 3,48
